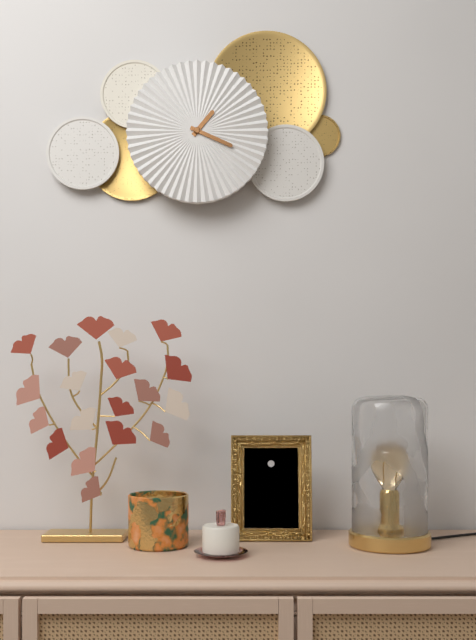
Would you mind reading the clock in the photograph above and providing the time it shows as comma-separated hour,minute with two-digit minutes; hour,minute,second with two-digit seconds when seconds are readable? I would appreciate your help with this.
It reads 1,19
